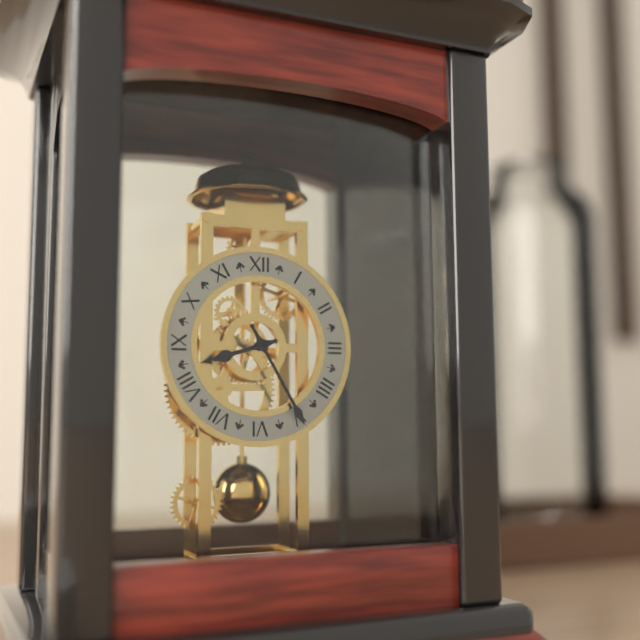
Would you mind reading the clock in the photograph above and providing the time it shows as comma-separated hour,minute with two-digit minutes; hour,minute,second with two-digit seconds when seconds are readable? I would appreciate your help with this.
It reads 8,25
